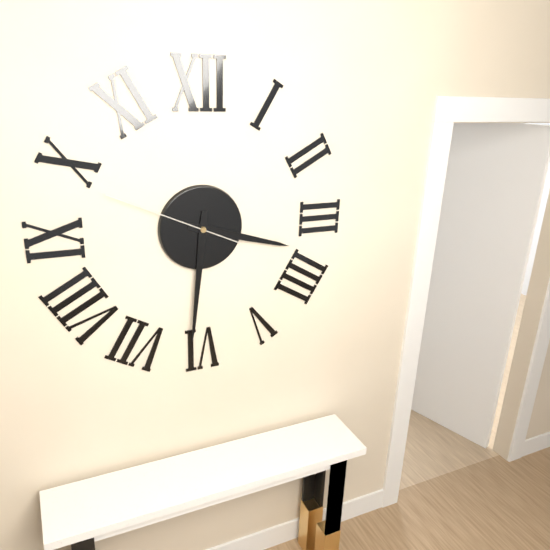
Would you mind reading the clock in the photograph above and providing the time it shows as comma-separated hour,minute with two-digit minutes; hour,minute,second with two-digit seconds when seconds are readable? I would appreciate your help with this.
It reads 3,31,49
